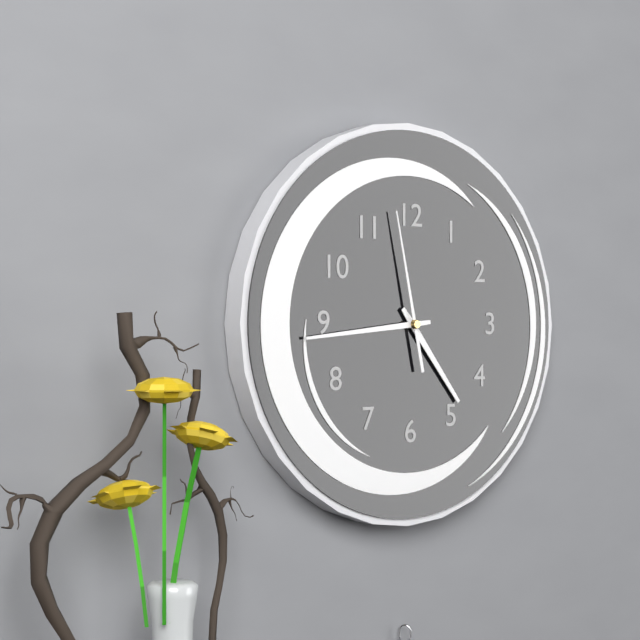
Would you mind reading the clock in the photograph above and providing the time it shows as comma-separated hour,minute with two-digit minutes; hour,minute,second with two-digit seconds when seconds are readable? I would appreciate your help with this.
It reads 4,44,58
